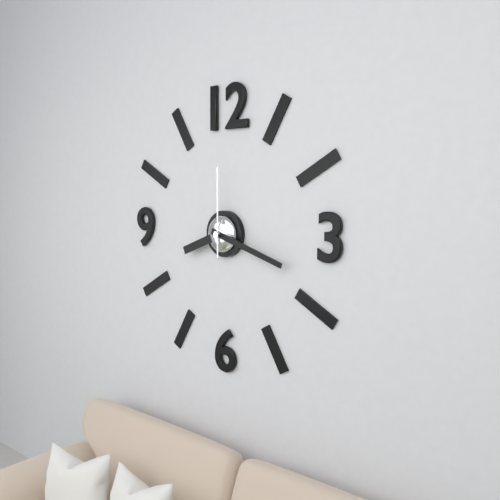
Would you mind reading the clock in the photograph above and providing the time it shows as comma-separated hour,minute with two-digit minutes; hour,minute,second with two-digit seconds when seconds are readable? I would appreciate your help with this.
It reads 8,18,00
